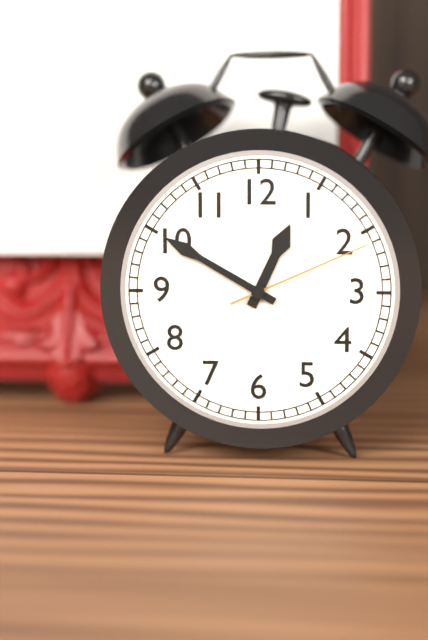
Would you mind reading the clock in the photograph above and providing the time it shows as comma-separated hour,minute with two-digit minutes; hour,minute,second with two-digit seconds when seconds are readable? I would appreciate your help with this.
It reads 12,50,11
